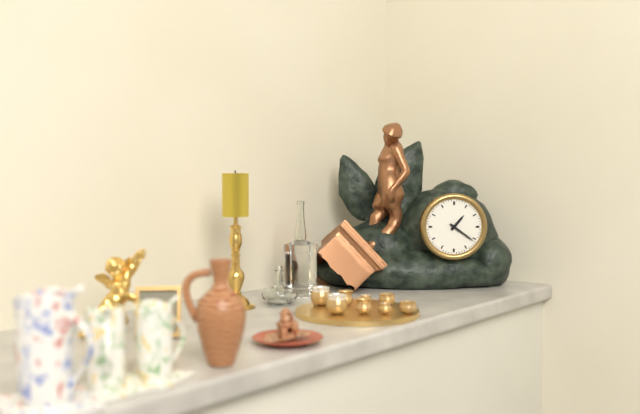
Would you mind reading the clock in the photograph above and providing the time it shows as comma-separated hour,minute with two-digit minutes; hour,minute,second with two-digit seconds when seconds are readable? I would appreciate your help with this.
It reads 1,21
